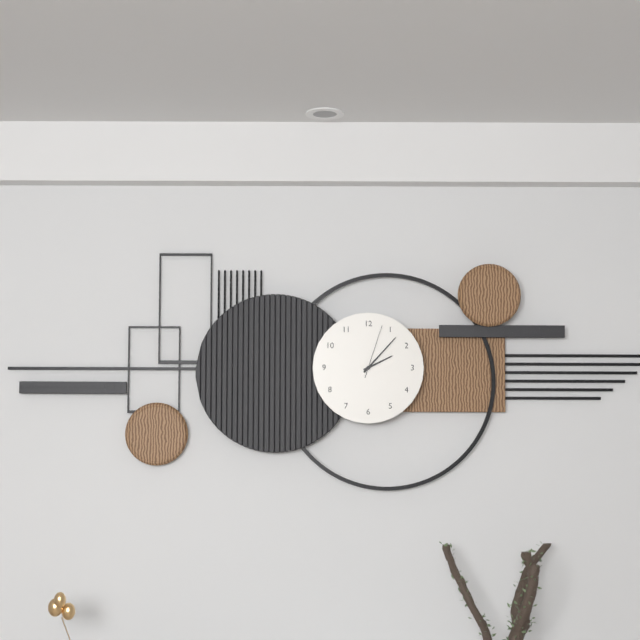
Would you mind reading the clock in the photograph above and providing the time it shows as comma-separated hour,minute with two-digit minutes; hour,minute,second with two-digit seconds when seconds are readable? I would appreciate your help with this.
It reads 2,07,03
